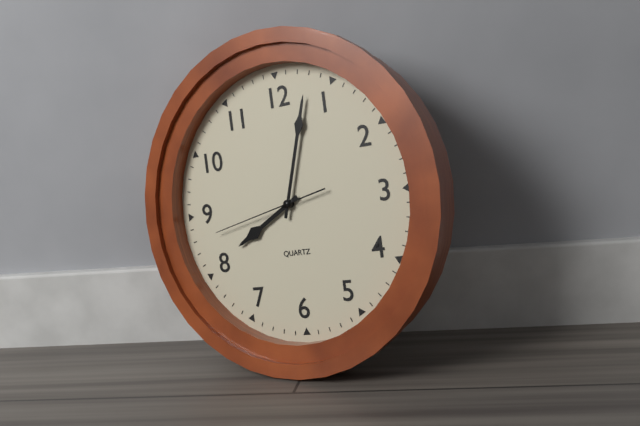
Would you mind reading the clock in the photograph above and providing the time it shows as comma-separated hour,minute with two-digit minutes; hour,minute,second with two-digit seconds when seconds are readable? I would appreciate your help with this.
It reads 8,03,43
